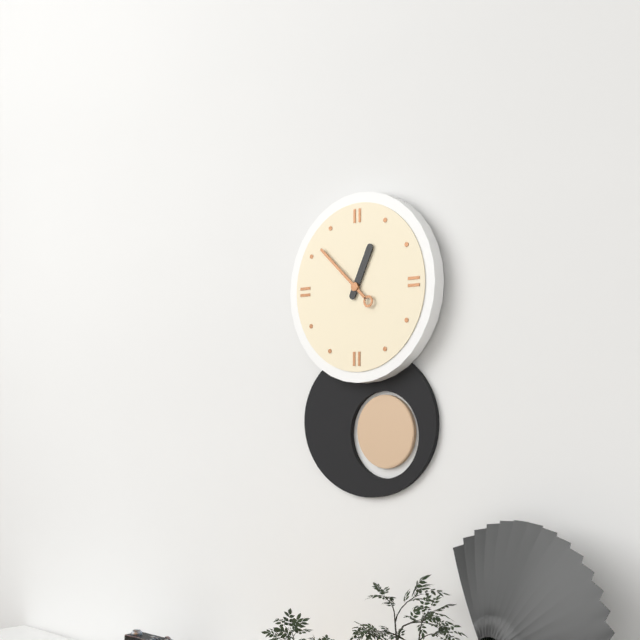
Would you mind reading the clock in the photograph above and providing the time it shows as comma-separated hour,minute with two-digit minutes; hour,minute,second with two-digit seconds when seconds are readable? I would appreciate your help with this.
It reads 12,52
